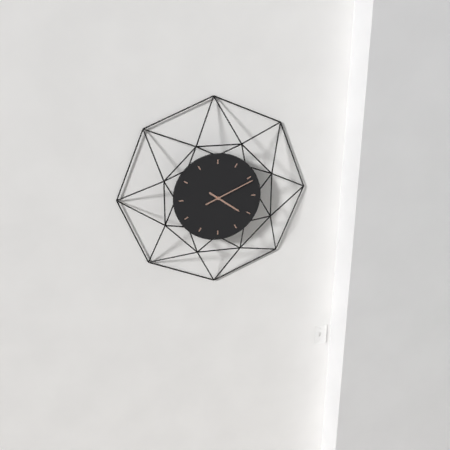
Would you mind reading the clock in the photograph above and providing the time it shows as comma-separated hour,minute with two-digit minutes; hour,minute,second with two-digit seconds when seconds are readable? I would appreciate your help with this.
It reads 4,11
